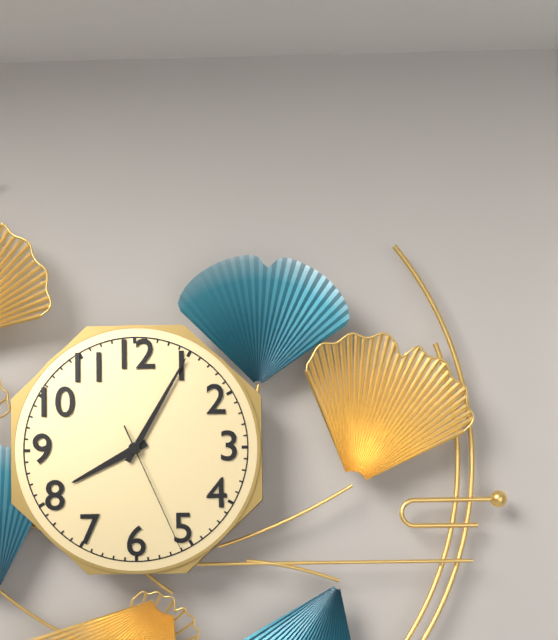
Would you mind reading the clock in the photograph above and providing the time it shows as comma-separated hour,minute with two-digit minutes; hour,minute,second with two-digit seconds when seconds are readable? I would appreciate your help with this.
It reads 8,05,26
